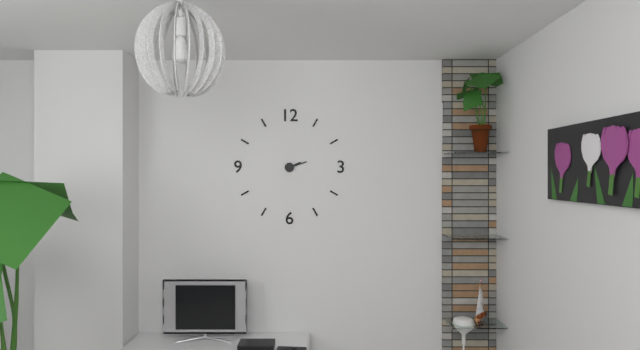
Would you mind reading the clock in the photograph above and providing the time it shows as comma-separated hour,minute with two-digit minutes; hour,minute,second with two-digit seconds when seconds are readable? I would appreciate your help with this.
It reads 2,12
